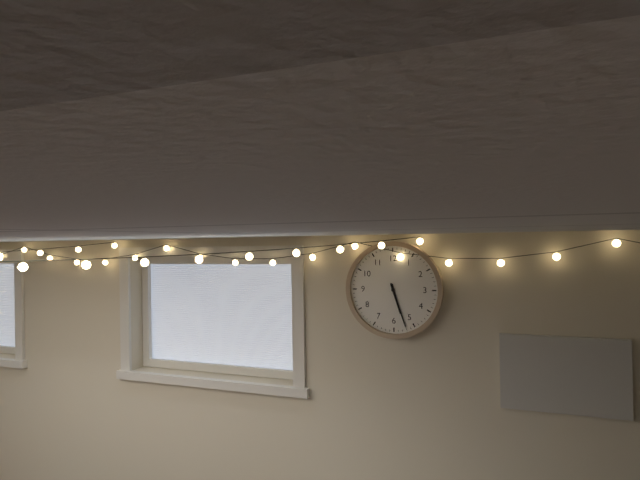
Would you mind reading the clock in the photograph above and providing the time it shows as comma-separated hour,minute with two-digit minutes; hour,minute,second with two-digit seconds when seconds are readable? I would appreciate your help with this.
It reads 5,27
